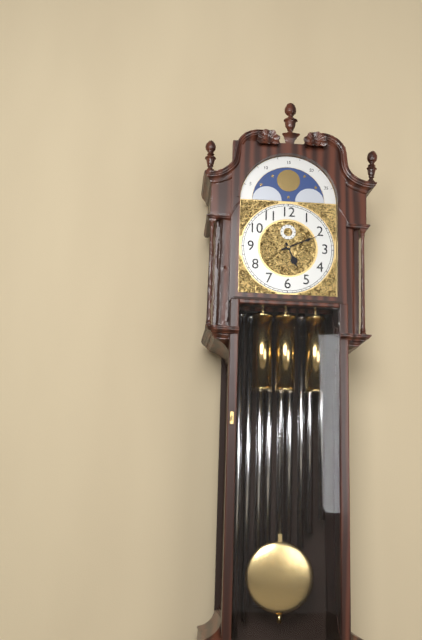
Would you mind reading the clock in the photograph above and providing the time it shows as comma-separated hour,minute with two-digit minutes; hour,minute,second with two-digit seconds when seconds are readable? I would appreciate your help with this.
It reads 5,11
